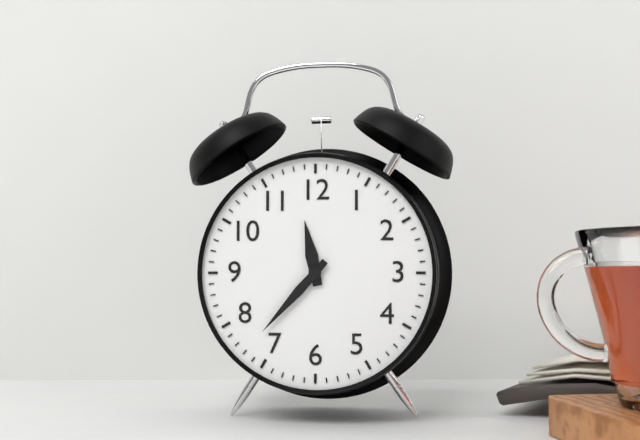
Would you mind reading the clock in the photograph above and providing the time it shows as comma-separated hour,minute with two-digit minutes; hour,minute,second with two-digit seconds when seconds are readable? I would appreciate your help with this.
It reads 11,37
